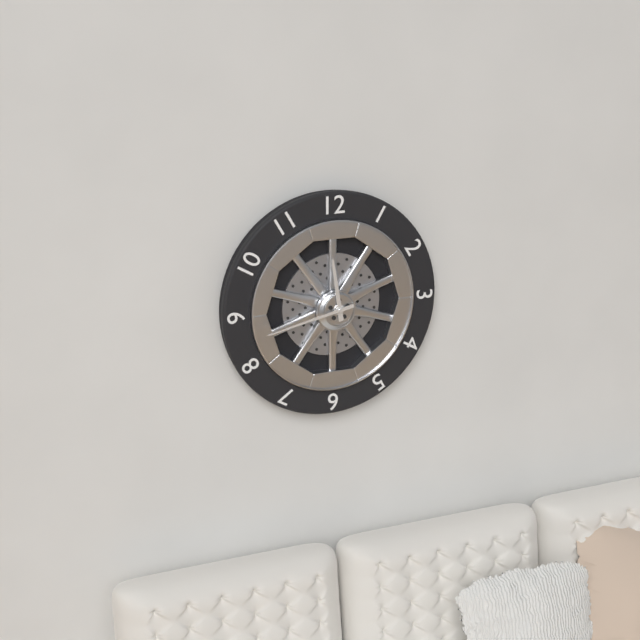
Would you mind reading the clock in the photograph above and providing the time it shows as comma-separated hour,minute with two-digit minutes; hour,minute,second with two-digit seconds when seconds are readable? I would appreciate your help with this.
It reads 11,43
